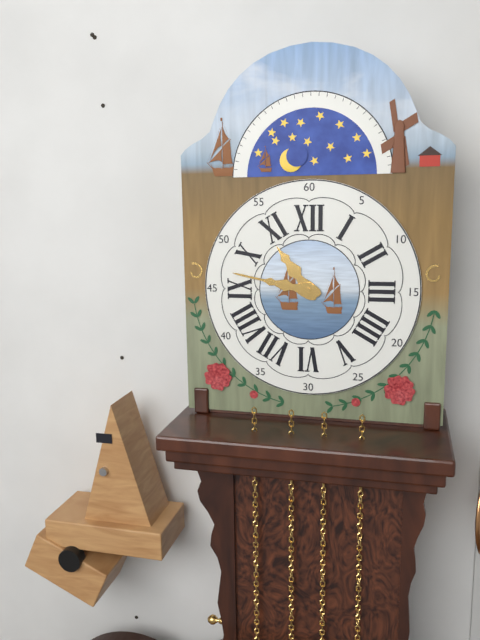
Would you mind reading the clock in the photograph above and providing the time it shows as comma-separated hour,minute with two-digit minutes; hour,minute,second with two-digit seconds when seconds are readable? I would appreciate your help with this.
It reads 10,47
